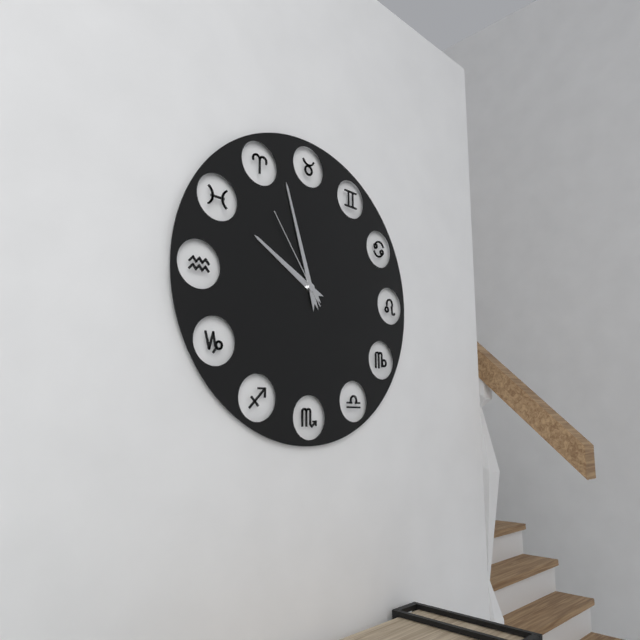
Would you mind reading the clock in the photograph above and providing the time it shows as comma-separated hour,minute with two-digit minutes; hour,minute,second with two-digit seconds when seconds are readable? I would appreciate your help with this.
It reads 9,57,54
